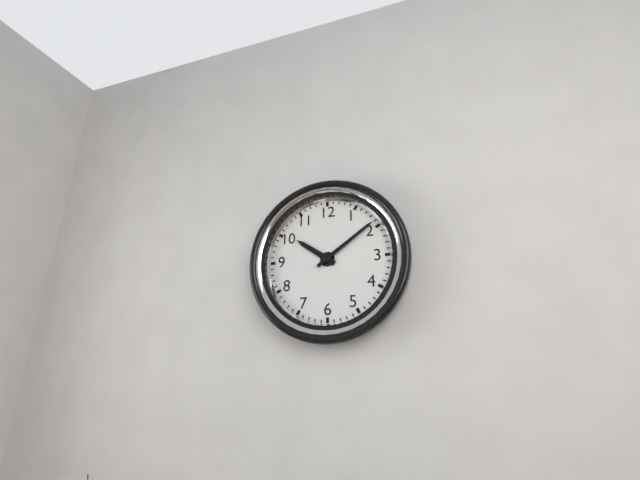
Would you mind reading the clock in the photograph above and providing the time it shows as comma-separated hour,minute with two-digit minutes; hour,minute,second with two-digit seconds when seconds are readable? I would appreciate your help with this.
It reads 10,09
